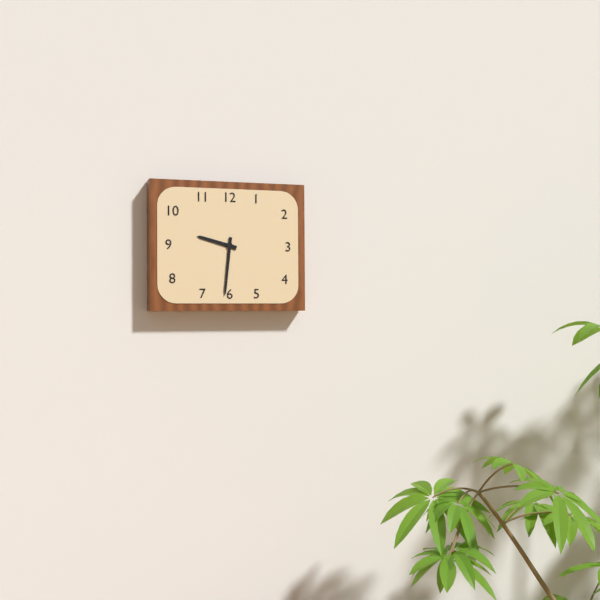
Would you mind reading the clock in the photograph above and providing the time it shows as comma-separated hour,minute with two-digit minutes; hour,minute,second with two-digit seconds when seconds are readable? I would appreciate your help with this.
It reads 9,31
